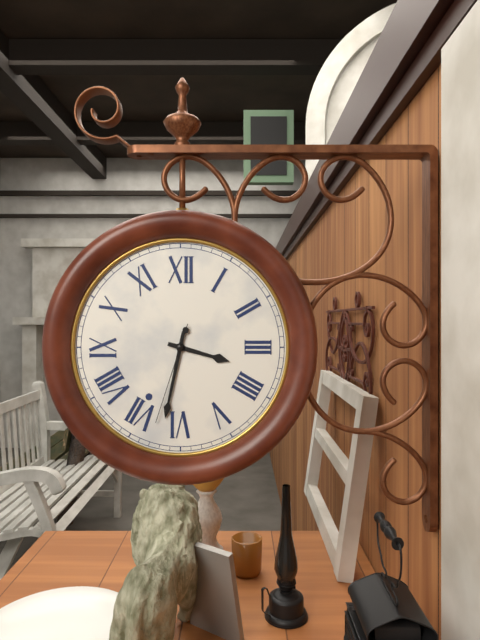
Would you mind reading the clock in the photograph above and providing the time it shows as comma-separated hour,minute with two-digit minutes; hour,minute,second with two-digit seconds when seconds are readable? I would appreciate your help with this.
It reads 3,32,33
